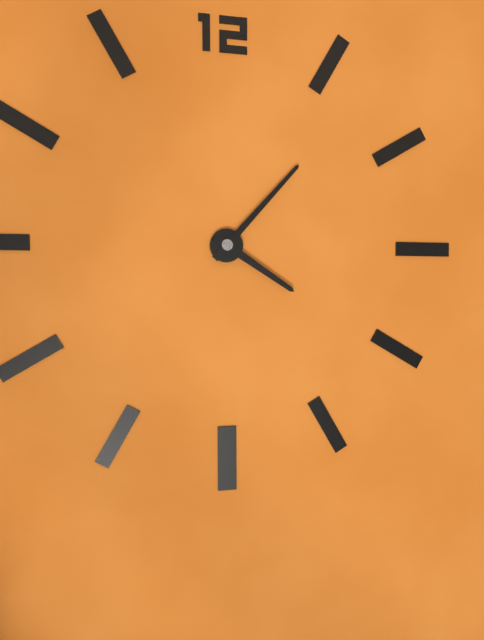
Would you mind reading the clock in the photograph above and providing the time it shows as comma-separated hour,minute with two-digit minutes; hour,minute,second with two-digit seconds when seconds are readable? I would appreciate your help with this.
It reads 4,07
